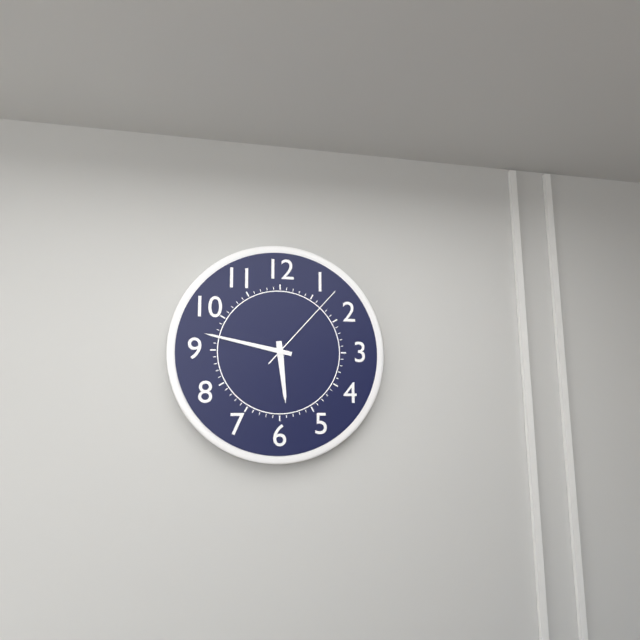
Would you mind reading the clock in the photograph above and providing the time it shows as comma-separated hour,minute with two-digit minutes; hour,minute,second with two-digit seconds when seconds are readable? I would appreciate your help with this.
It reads 5,47,07
